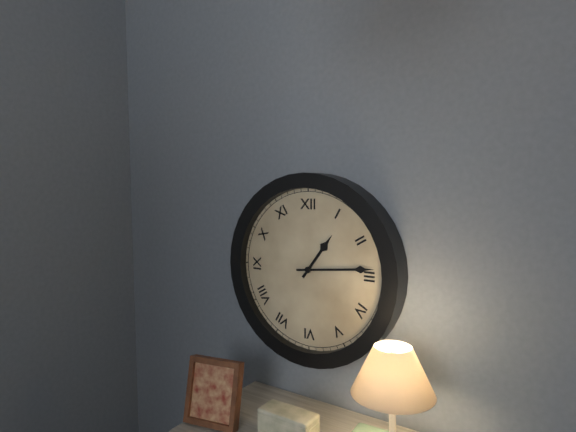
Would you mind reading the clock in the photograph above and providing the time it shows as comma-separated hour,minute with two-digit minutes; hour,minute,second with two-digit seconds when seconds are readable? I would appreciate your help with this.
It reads 1,14
